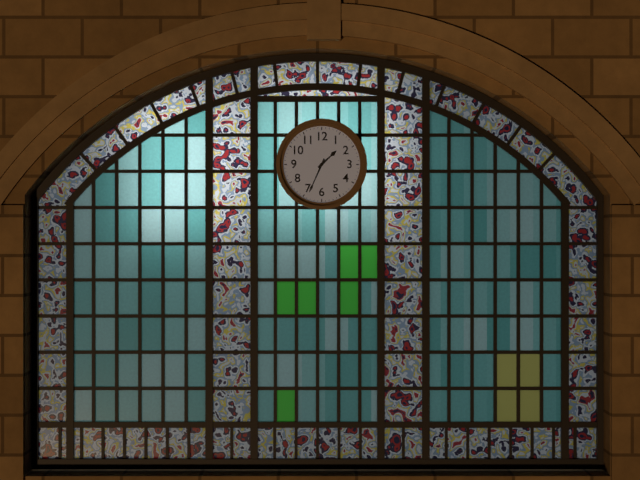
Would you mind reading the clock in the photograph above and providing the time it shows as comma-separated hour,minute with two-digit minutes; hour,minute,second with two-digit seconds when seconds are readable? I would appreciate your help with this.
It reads 1,34
